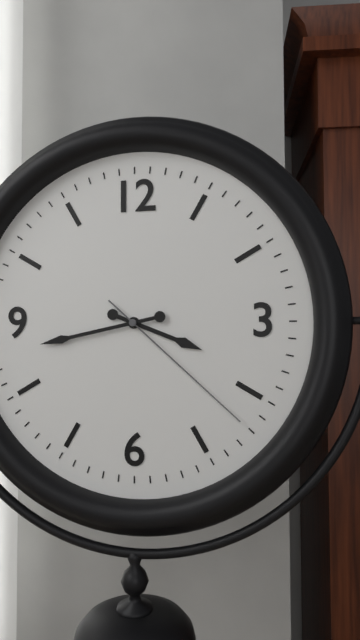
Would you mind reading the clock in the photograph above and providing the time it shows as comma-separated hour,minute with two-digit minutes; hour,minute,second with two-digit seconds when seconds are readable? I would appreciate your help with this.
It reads 3,43,22
